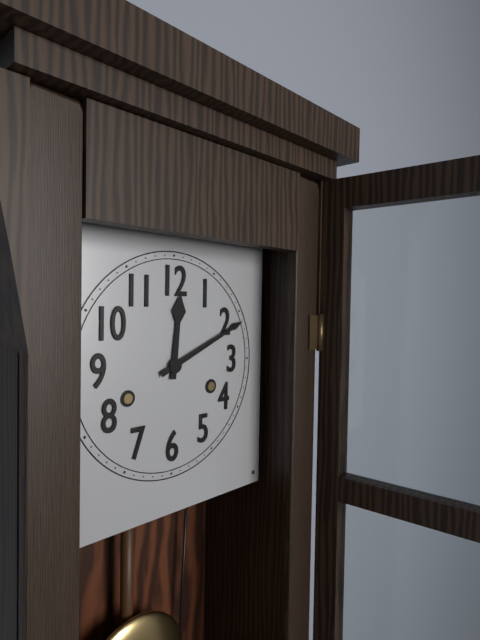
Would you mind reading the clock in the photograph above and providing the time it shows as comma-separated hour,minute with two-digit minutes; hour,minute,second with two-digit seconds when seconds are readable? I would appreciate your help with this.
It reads 12,11
